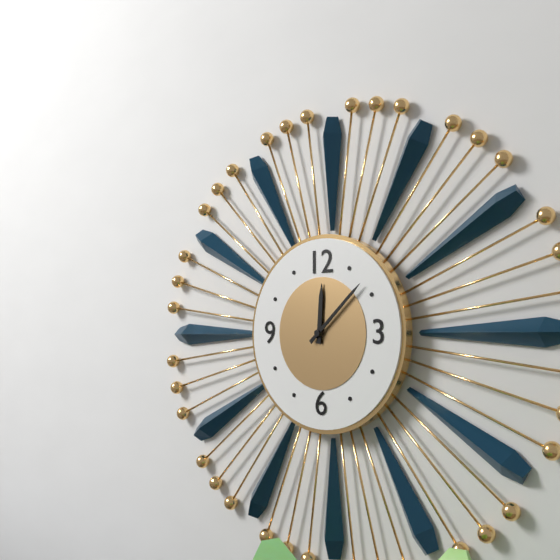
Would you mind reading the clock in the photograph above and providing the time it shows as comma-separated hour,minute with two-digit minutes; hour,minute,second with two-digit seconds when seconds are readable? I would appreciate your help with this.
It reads 12,08
